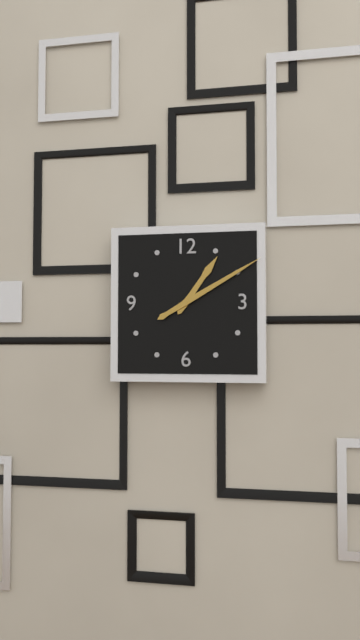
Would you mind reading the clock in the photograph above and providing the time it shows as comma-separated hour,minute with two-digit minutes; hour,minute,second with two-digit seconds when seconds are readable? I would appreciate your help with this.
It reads 1,10
